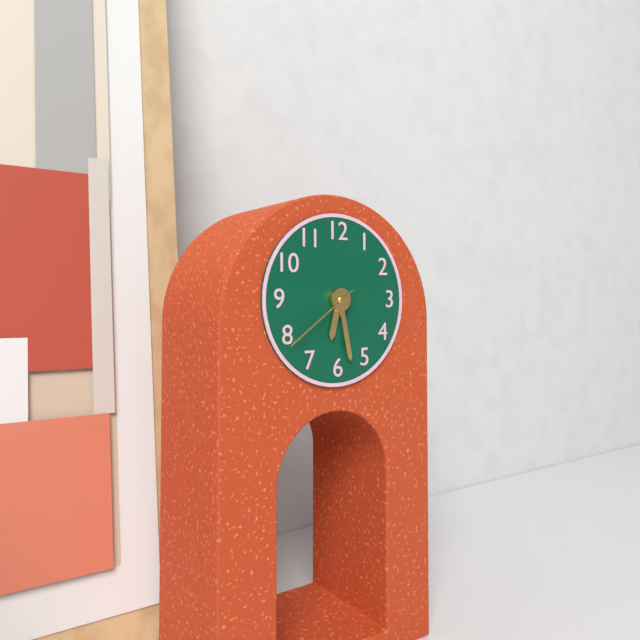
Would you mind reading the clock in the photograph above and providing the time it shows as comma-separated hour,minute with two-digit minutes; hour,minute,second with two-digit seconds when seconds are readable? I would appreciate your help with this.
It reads 6,28,39
